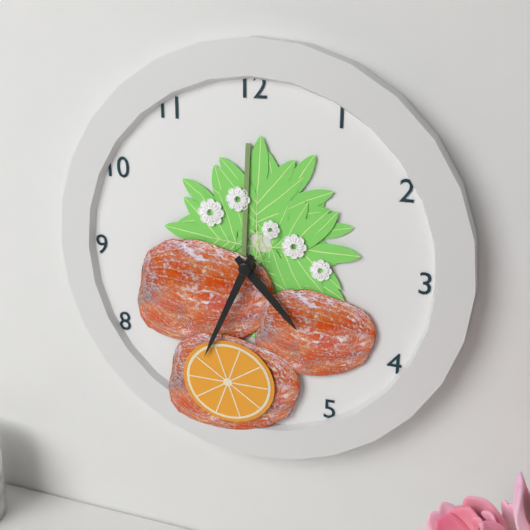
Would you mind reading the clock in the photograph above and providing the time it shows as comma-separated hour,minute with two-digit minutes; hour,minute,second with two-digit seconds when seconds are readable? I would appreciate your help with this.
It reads 4,34
